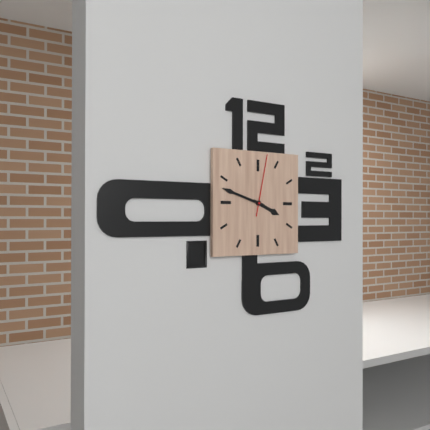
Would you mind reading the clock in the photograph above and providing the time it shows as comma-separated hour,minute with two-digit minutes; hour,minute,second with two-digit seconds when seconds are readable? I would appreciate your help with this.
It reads 3,48,02
